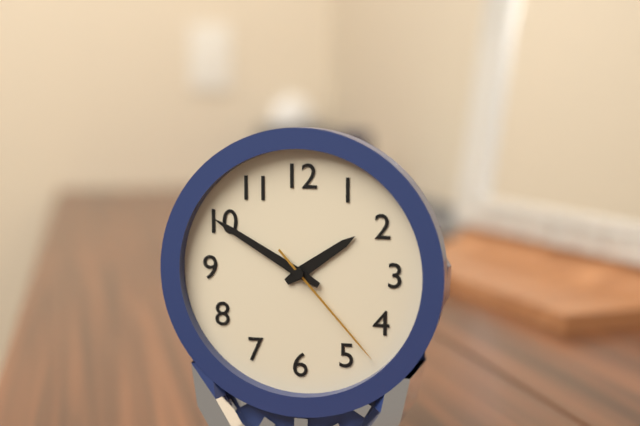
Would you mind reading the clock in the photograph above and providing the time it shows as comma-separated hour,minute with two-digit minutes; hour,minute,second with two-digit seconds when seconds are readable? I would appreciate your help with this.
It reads 1,50,23
